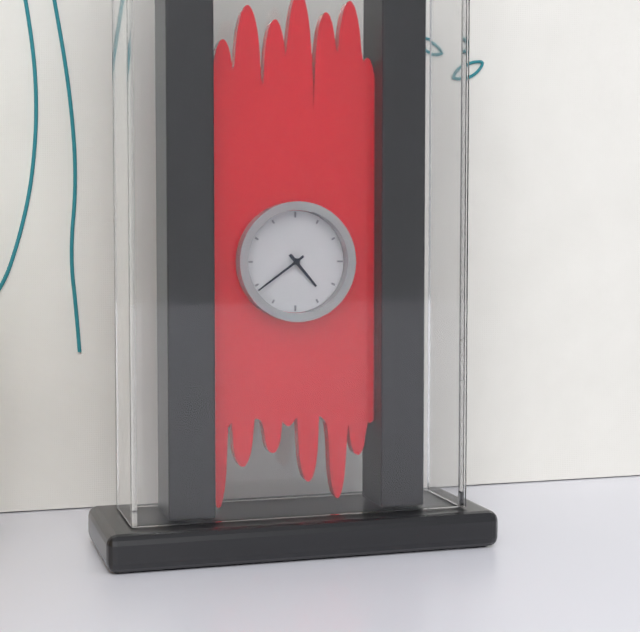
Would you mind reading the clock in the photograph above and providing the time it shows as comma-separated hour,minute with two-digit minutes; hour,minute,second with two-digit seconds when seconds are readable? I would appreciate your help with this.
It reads 4,39
